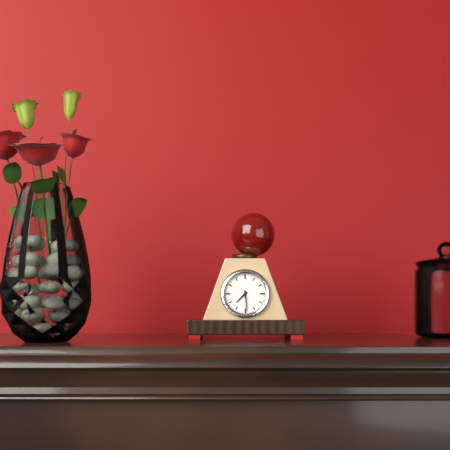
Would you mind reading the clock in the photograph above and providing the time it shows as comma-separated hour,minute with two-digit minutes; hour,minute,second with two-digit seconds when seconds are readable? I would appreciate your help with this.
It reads 7,29
